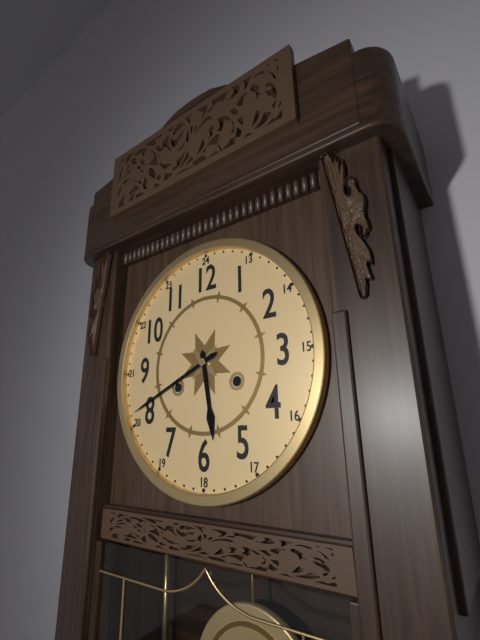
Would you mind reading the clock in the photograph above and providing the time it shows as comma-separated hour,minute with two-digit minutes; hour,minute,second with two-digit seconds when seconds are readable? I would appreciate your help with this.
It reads 5,41
